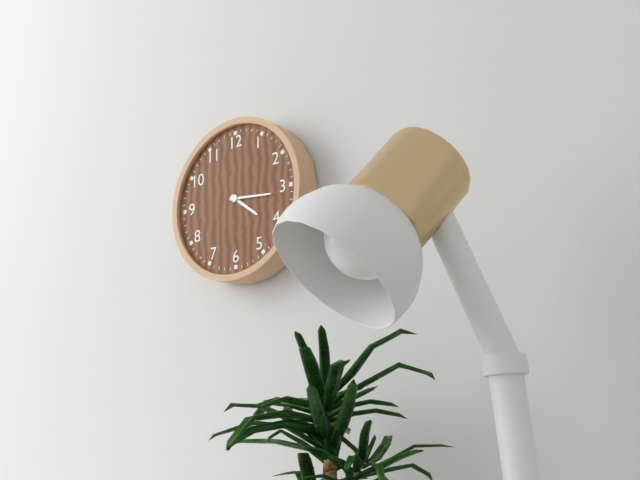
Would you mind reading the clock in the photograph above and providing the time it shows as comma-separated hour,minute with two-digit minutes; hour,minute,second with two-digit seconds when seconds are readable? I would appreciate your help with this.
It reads 4,16
